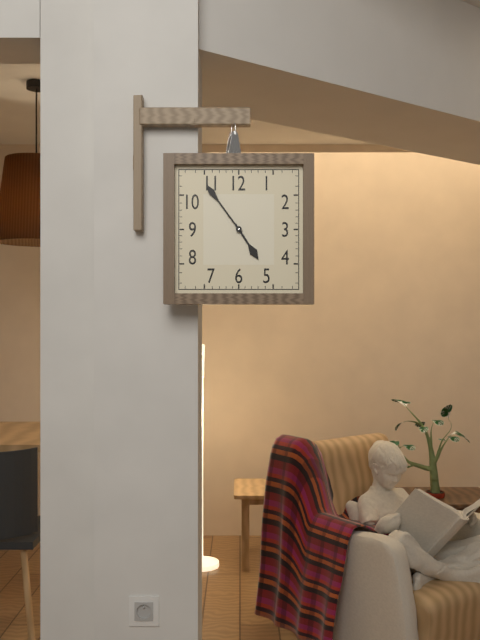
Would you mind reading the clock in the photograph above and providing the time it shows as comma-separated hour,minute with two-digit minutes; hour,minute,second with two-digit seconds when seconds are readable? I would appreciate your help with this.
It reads 4,54
